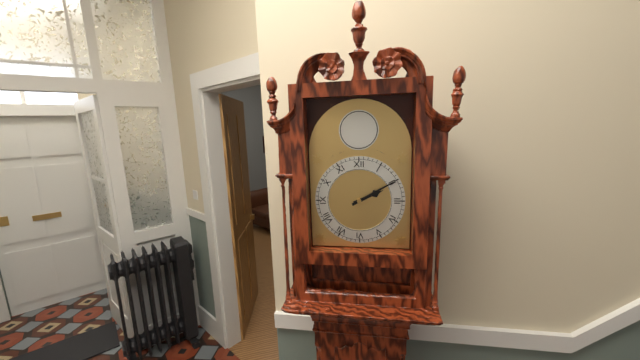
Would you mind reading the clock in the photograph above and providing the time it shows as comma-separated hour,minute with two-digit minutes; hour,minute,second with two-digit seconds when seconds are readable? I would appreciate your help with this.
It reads 2,10
